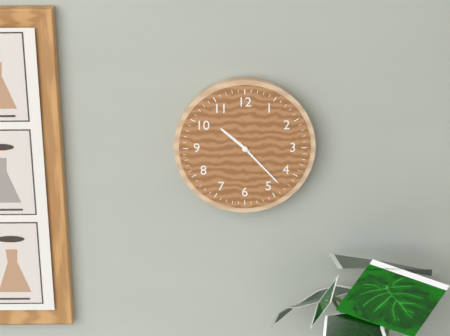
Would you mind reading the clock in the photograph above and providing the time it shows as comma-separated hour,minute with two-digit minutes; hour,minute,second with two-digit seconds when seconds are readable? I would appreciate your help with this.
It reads 10,23
